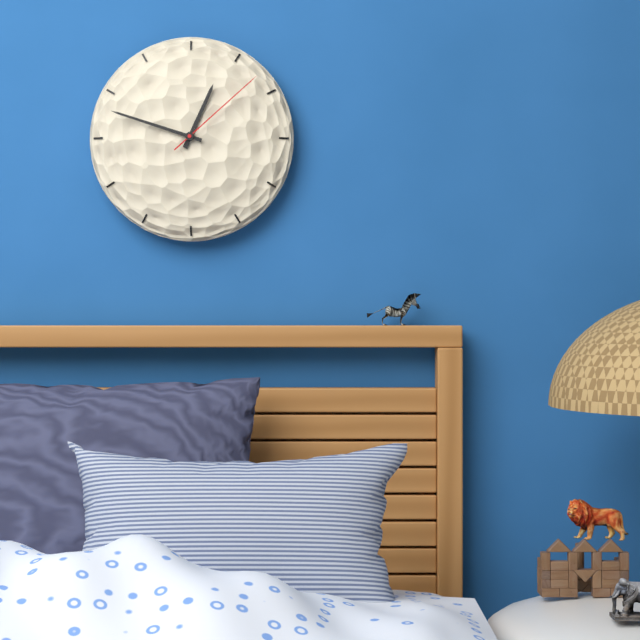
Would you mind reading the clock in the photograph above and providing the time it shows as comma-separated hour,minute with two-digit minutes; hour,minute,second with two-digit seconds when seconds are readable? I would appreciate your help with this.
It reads 12,48,08
